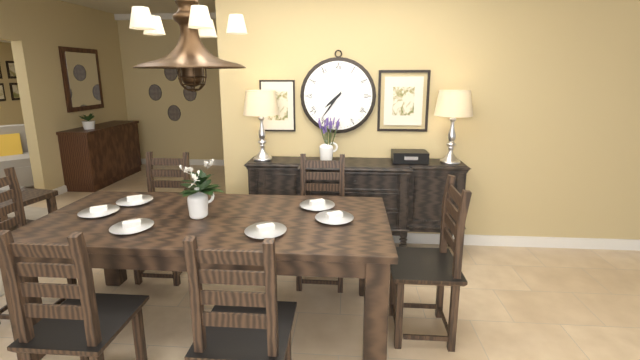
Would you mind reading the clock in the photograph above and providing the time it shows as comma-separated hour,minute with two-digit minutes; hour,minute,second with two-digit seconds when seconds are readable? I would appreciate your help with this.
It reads 7,36
